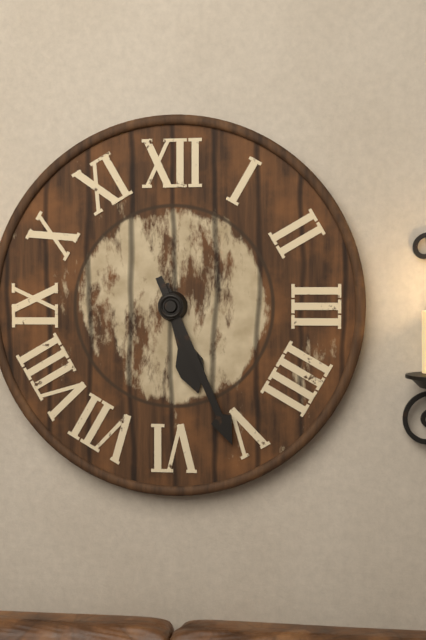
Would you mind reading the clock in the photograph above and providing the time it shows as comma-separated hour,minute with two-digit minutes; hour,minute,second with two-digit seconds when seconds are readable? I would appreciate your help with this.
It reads 5,26
